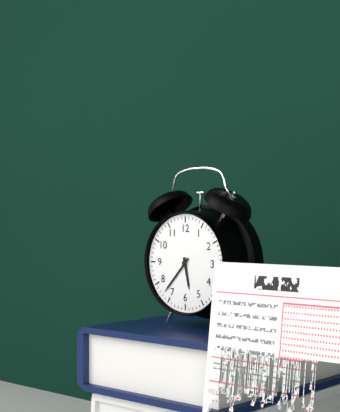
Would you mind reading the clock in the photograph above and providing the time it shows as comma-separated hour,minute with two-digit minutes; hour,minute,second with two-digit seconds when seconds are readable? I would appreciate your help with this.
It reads 5,37
